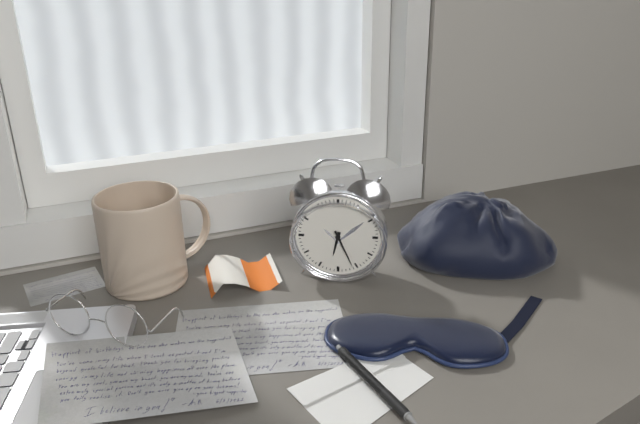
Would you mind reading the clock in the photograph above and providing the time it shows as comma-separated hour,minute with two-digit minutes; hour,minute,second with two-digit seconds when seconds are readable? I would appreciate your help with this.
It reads 6,26
